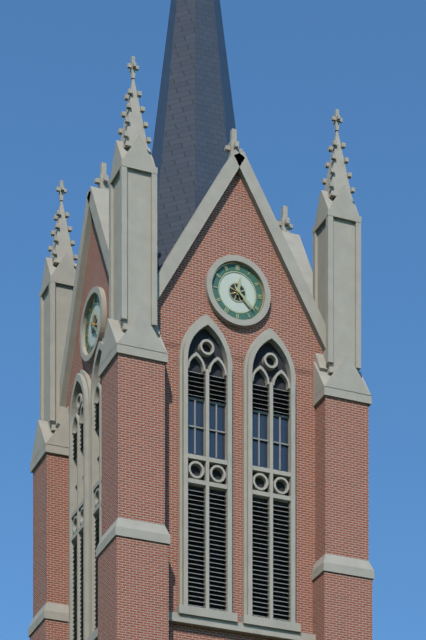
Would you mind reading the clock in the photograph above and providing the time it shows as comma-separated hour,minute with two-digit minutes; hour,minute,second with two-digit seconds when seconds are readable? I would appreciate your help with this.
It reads 12,22
